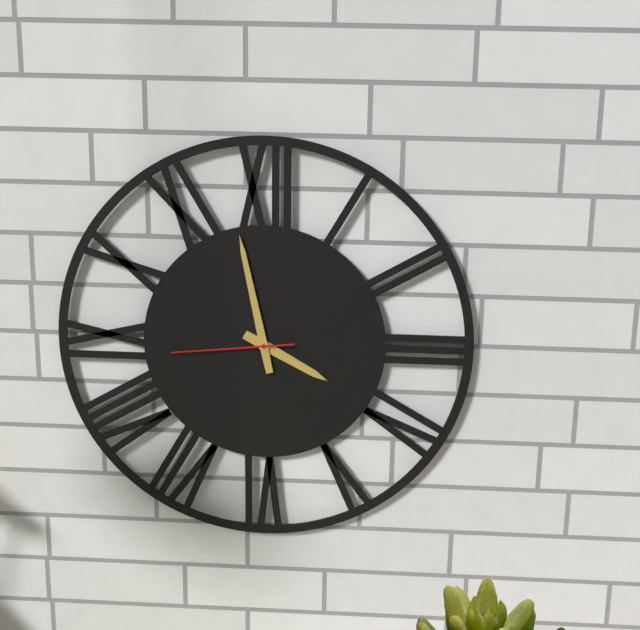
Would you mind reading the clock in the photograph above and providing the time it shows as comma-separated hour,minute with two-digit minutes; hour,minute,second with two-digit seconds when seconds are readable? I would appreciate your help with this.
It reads 3,58,44
